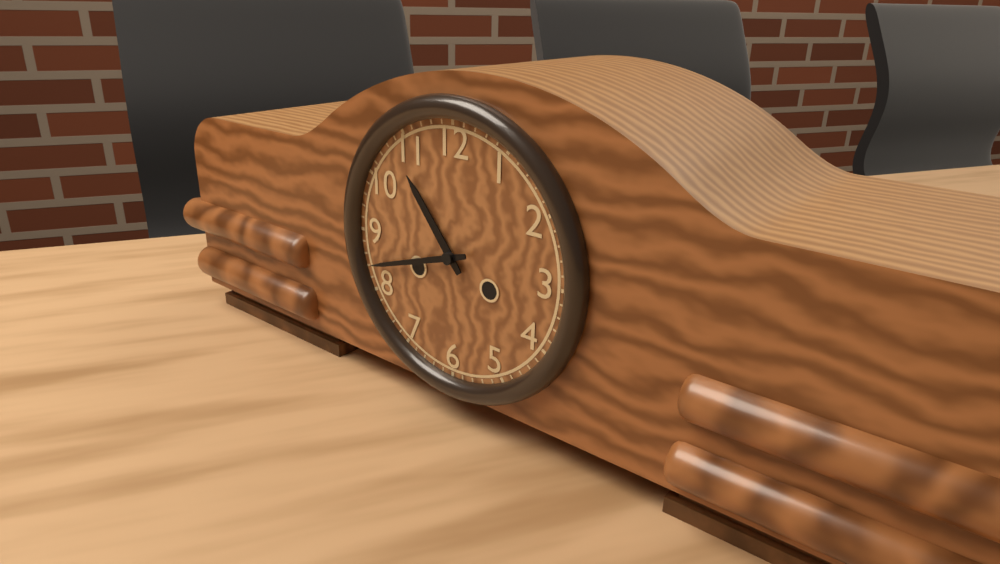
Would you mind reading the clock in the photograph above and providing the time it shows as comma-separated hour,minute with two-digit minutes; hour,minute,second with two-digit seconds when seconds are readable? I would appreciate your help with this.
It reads 10,42
